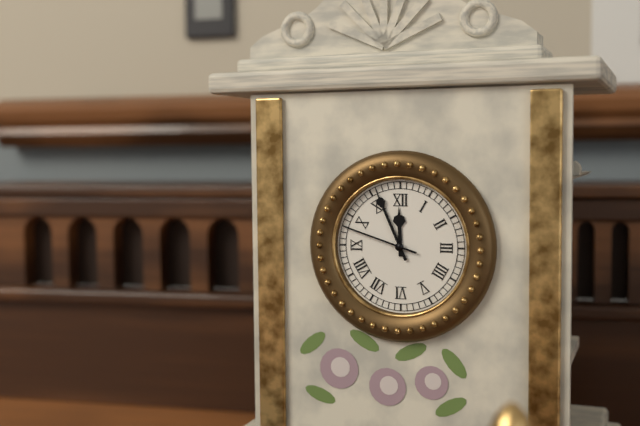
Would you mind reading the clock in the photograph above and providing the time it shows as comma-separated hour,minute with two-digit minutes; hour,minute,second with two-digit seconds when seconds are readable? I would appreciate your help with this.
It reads 11,56,48
